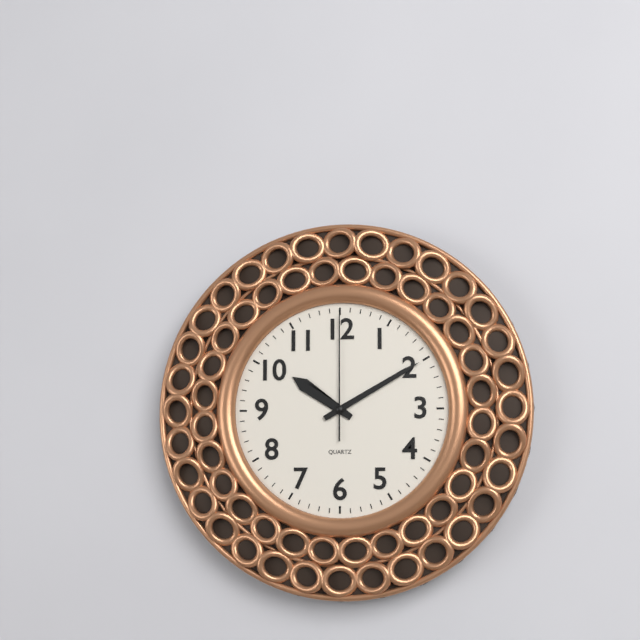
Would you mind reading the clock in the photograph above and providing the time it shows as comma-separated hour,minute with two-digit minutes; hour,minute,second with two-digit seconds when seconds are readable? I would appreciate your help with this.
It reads 10,10,00
